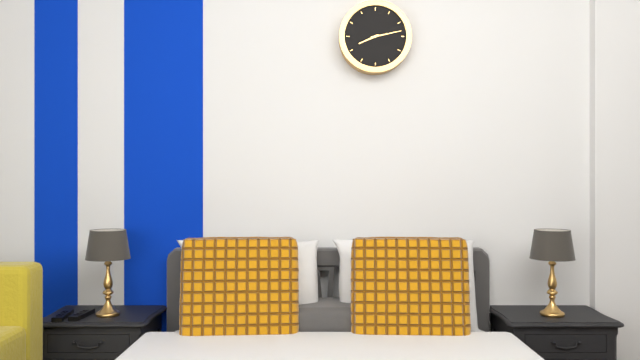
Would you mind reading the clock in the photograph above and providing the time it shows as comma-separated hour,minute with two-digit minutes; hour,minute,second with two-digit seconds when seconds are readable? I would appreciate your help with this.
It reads 8,13
